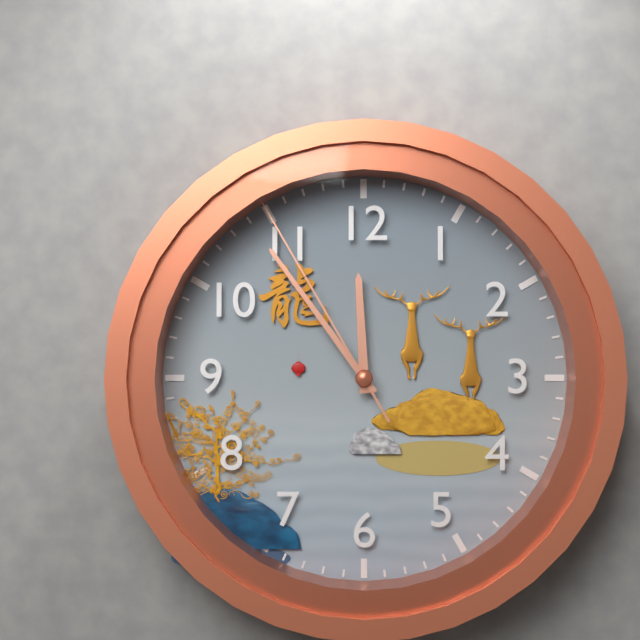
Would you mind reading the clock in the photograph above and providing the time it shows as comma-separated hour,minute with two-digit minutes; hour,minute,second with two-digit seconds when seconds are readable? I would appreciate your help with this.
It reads 11,54,55
